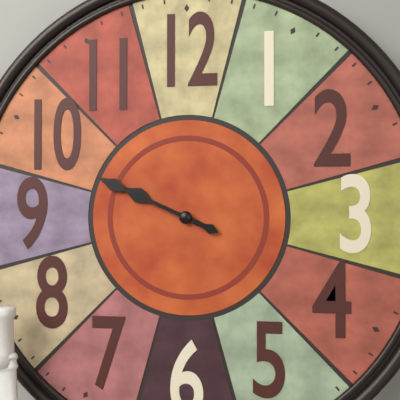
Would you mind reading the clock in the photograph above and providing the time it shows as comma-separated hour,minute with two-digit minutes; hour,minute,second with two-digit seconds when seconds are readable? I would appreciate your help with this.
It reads 9,49
